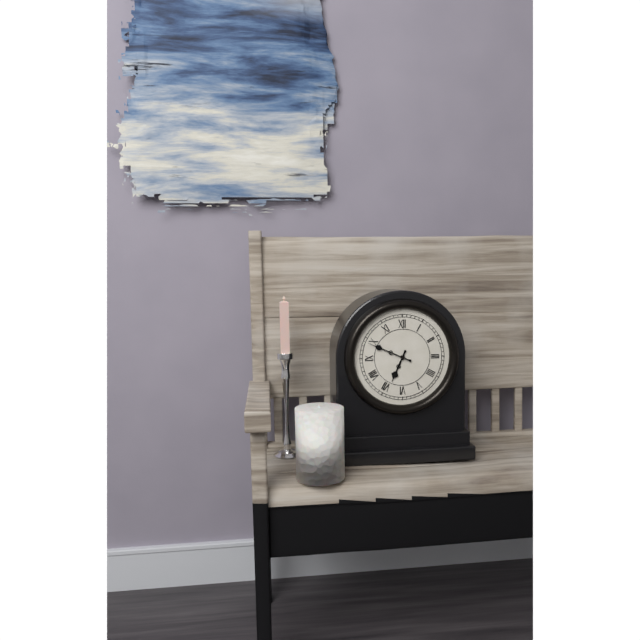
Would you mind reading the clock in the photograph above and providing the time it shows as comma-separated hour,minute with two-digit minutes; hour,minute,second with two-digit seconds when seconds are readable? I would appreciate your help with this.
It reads 6,49
